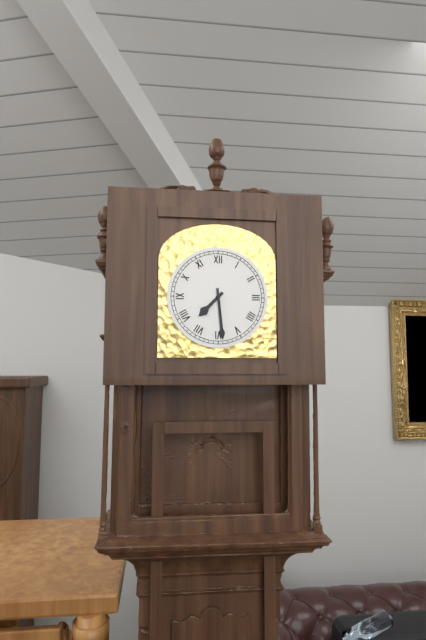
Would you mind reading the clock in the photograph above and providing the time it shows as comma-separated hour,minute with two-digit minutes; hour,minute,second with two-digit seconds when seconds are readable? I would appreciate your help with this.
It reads 7,29
